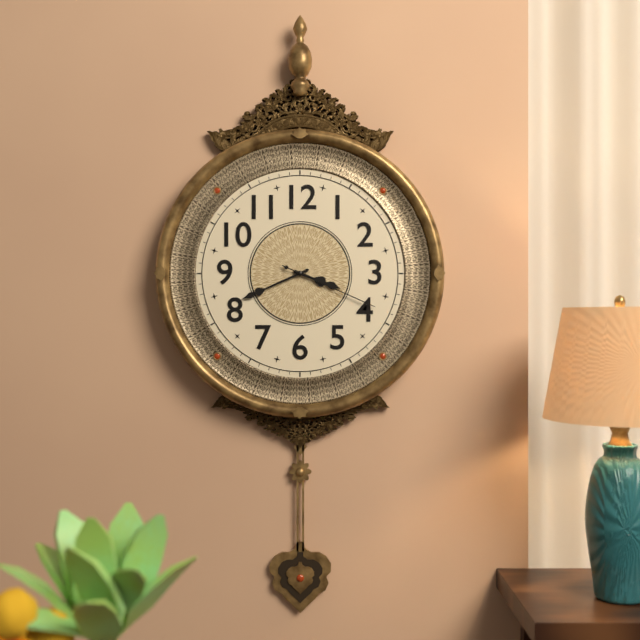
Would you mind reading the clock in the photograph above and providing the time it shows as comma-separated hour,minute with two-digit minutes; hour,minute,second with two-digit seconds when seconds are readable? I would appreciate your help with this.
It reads 3,41,19
